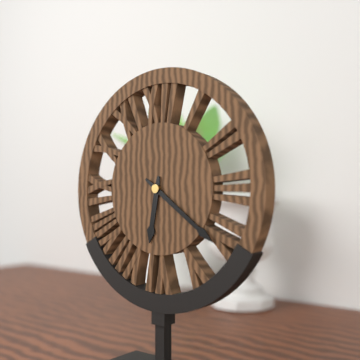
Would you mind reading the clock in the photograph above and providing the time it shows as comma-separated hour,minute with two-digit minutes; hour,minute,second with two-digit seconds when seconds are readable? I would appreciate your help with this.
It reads 6,21
